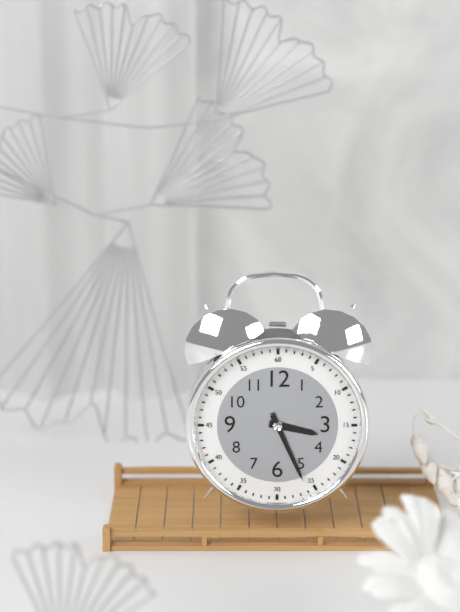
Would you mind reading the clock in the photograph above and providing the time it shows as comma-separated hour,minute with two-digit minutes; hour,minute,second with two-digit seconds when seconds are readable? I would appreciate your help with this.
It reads 3,26
